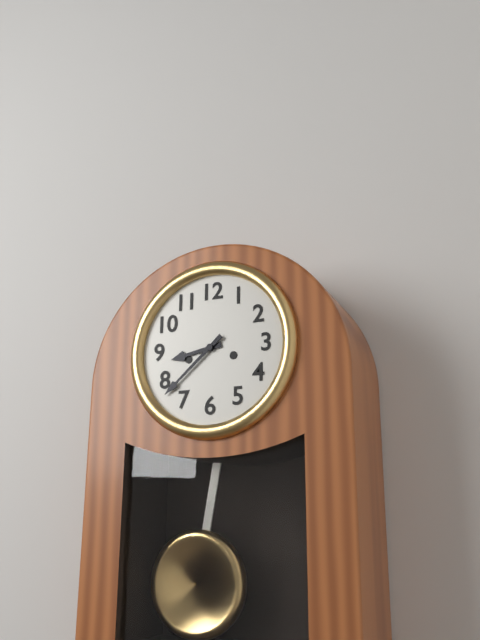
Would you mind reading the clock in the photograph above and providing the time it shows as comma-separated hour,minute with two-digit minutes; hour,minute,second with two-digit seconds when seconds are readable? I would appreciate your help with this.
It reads 8,38
